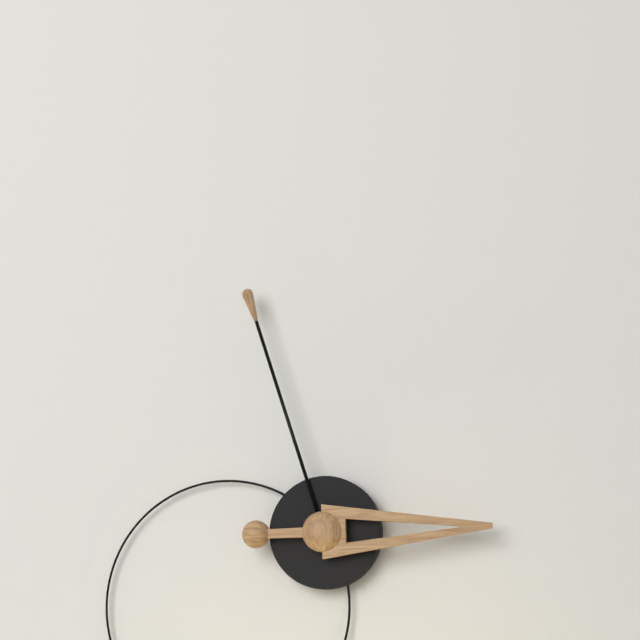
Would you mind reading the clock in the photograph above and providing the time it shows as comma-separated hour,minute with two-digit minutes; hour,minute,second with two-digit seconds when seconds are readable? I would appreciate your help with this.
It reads 2,57
